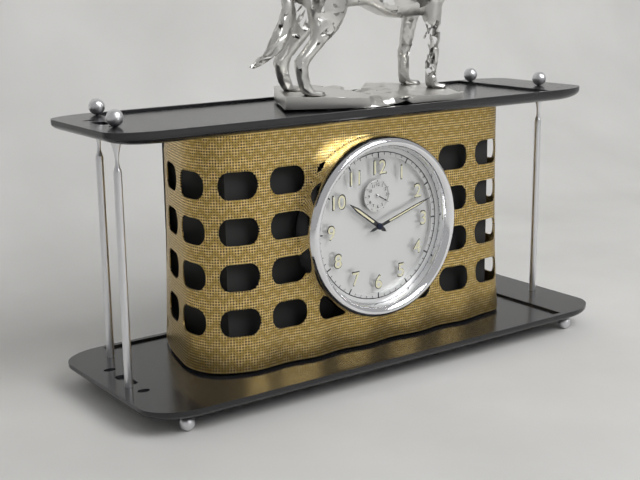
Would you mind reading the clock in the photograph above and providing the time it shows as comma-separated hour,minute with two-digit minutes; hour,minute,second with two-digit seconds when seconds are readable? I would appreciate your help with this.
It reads 10,12
